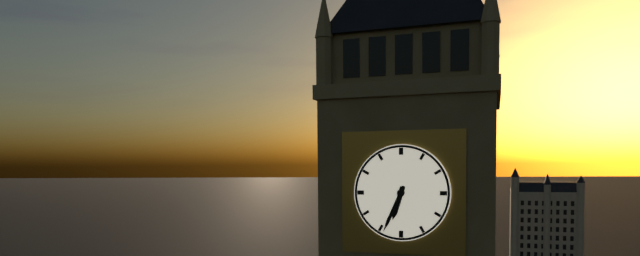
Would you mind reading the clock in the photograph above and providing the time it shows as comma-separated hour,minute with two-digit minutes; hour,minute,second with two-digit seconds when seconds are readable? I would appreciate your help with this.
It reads 6,34
